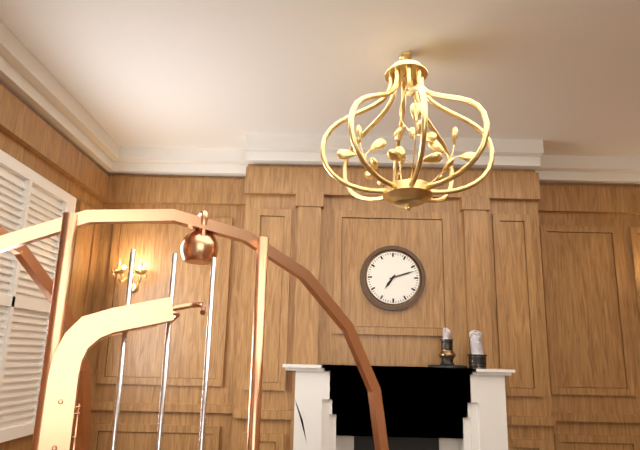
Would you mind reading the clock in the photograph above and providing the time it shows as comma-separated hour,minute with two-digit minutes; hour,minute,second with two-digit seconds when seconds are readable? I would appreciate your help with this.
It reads 7,12
